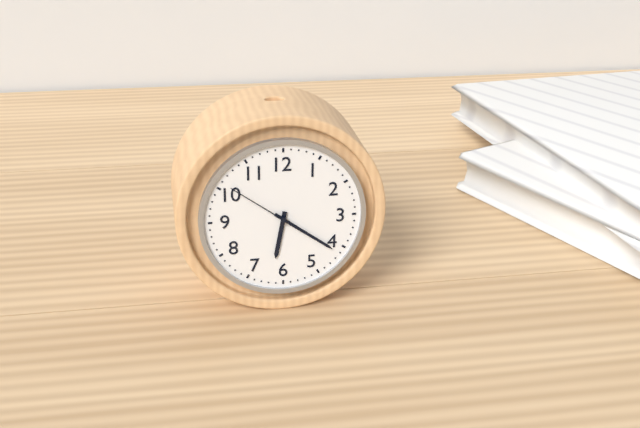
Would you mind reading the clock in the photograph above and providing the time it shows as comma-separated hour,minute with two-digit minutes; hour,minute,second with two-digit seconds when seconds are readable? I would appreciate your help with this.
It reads 6,21,51
